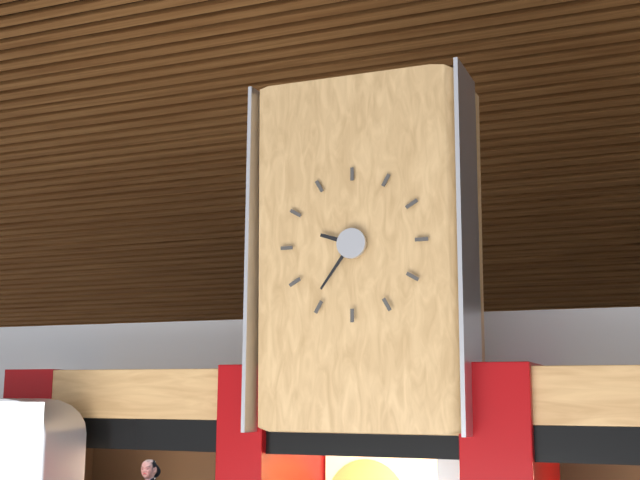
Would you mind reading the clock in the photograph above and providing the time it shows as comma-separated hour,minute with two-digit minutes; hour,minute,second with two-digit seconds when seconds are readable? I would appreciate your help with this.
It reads 9,36
